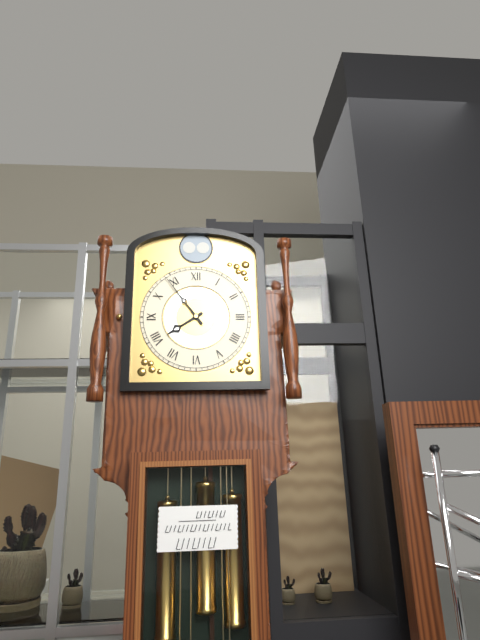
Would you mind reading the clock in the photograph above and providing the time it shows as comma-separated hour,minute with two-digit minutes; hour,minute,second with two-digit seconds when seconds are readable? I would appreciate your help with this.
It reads 7,54
